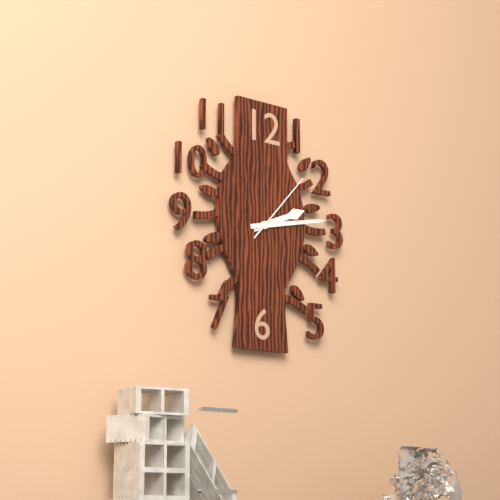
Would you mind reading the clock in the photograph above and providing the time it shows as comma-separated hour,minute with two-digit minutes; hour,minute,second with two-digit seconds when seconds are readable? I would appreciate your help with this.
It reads 2,13,07
